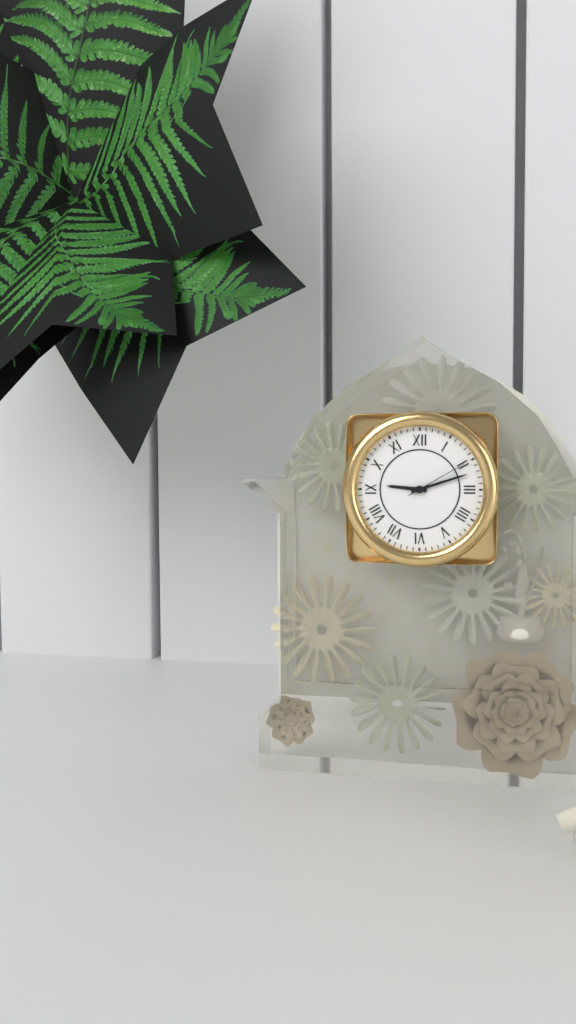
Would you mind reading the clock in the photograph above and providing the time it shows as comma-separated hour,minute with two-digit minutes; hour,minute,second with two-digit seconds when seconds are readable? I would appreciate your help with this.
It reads 9,12,10
